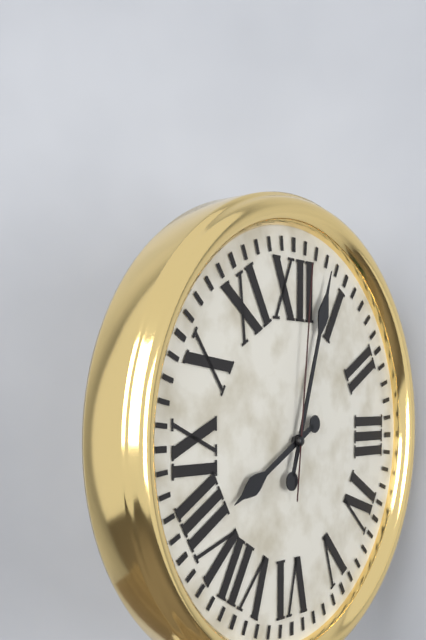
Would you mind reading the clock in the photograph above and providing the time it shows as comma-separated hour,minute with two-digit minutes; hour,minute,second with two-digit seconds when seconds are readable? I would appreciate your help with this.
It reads 8,03,01
